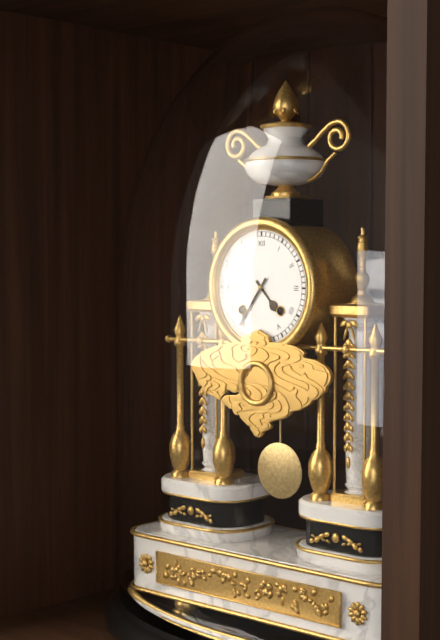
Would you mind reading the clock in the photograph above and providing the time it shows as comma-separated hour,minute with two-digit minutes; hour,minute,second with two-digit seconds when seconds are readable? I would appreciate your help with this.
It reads 4,36
